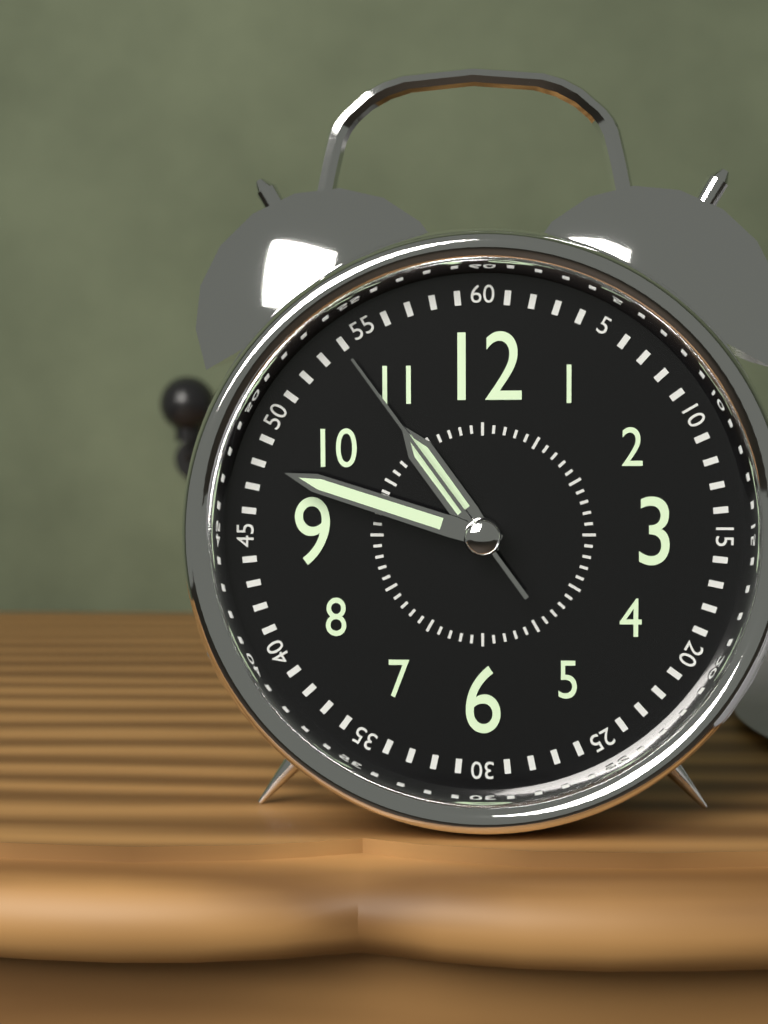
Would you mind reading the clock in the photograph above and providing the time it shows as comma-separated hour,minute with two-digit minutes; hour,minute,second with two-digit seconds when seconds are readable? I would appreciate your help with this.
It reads 10,48,54
